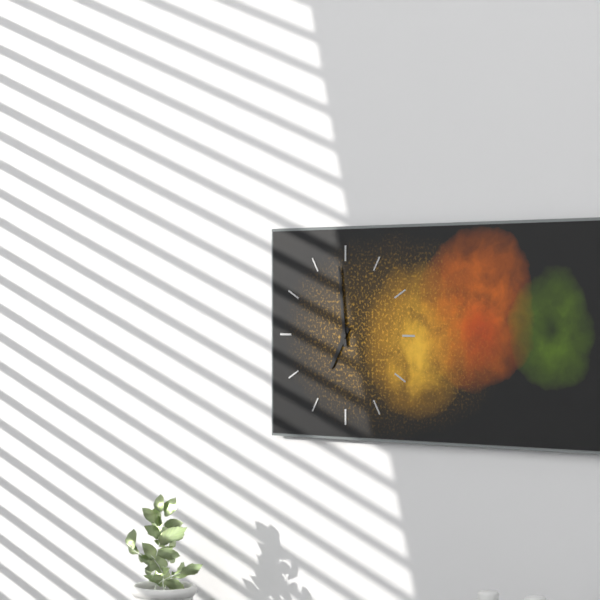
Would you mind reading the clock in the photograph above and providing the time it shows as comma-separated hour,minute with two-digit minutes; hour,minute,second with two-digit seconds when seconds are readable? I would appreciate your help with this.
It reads 6,59
